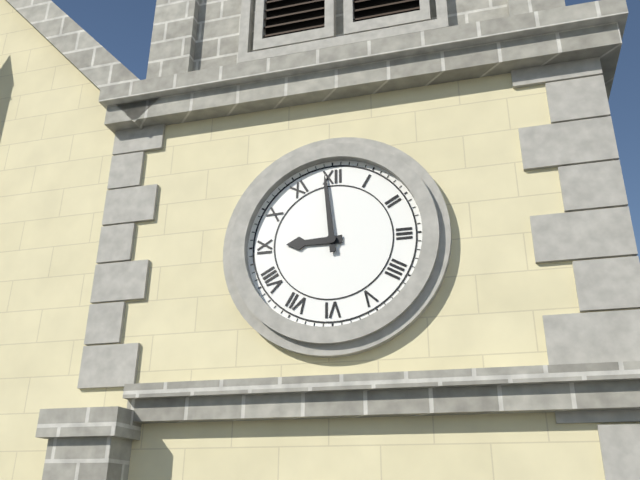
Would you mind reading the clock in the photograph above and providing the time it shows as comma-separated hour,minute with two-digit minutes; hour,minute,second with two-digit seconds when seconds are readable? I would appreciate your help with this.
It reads 8,59
